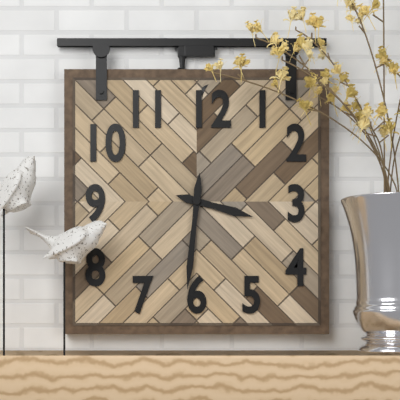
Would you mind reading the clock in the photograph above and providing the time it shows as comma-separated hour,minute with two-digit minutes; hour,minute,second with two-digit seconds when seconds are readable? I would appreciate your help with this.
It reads 3,31
